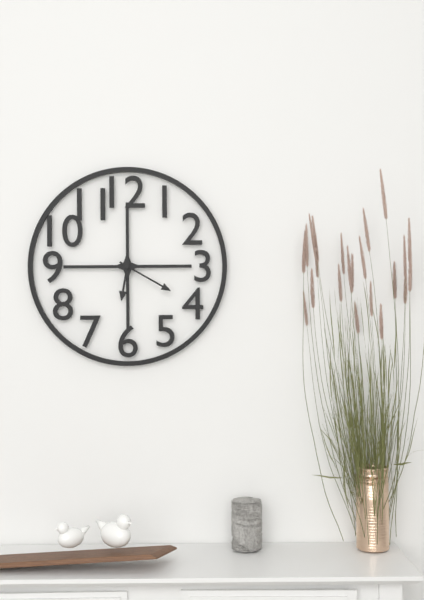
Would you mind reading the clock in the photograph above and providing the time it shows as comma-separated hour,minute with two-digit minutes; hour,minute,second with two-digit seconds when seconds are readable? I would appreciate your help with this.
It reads 6,20
